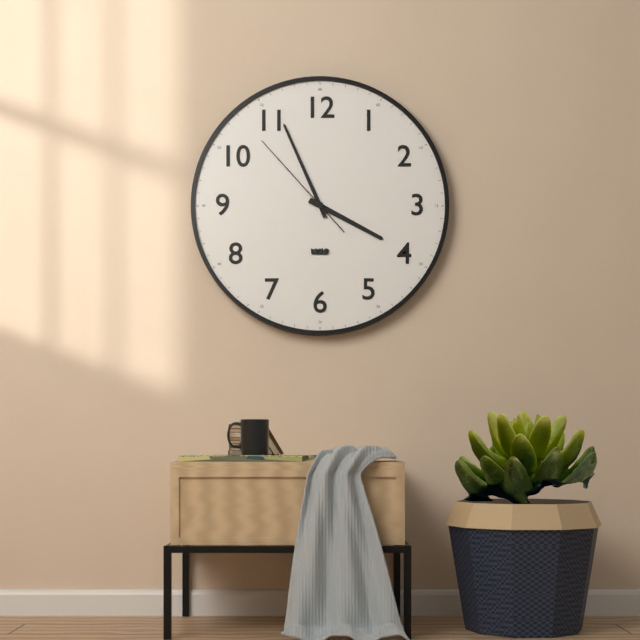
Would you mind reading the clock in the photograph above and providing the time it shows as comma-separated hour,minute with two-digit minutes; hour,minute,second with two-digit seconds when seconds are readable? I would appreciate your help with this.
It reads 3,56,53
